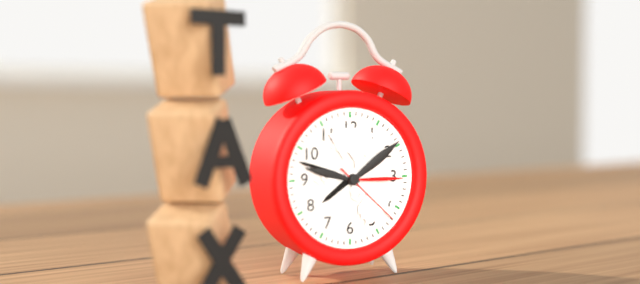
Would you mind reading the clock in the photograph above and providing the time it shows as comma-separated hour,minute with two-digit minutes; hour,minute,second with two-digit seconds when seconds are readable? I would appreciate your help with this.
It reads 7,48,22
